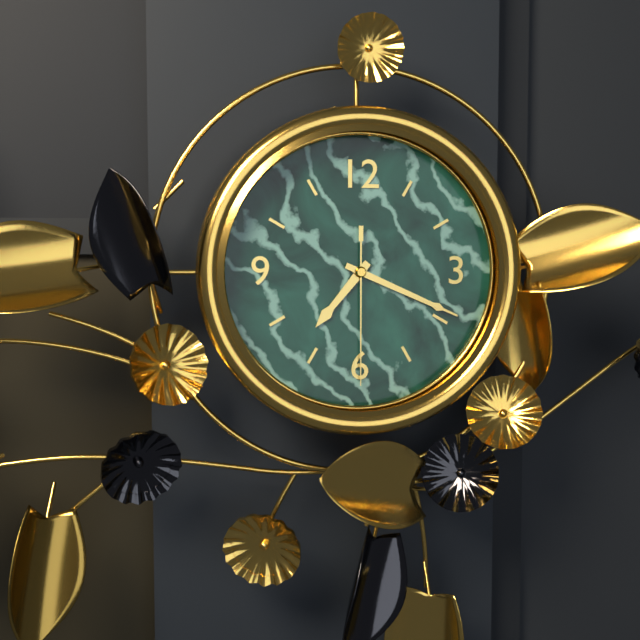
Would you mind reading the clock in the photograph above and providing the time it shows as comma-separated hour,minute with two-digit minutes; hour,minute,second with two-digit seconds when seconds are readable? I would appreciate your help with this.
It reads 7,19,30
